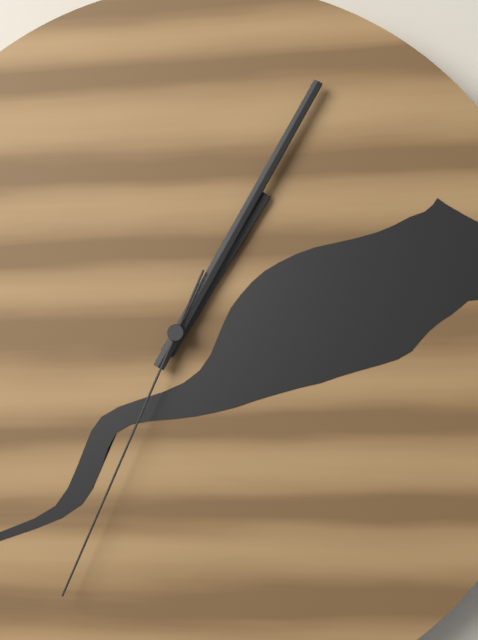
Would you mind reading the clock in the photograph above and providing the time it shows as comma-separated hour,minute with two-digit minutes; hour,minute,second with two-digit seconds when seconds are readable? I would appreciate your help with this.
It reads 1,05,34
